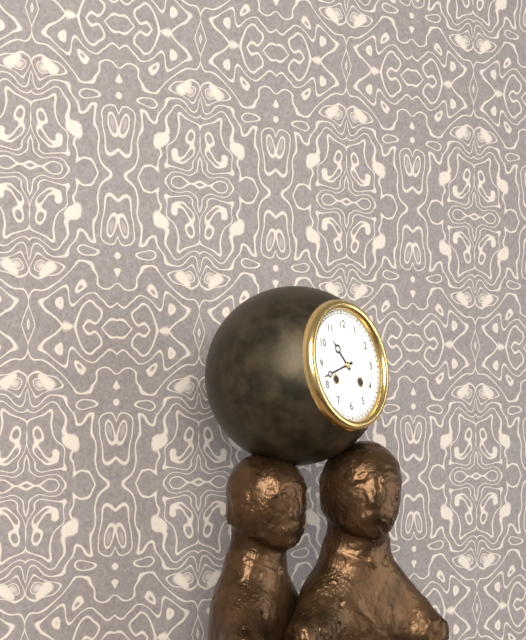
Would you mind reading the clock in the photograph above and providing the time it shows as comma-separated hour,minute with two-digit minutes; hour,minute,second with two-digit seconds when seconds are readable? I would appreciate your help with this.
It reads 10,42
